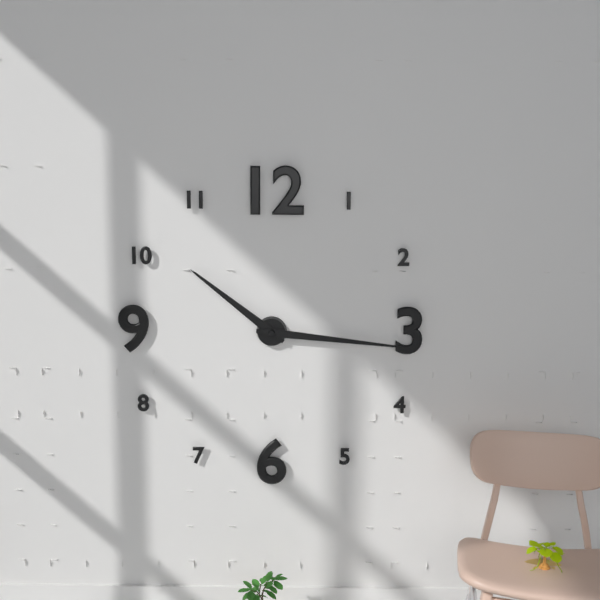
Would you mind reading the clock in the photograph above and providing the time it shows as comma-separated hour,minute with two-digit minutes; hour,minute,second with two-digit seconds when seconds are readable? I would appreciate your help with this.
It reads 10,16
